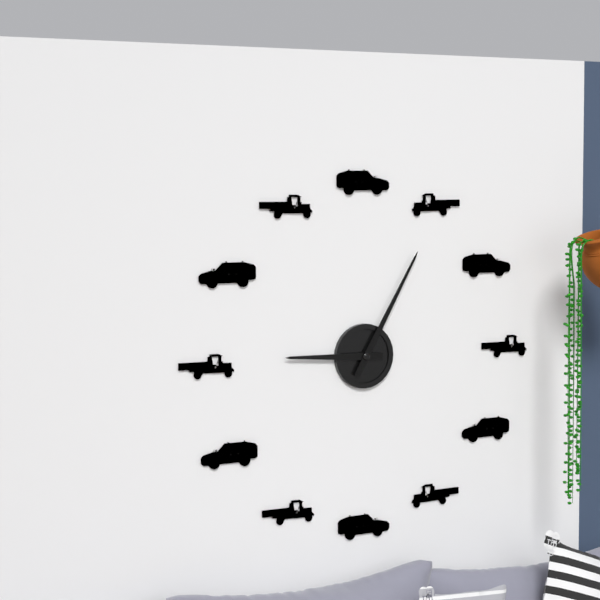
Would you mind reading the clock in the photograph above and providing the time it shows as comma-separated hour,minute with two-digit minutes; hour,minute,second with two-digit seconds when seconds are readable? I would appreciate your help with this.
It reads 9,05
